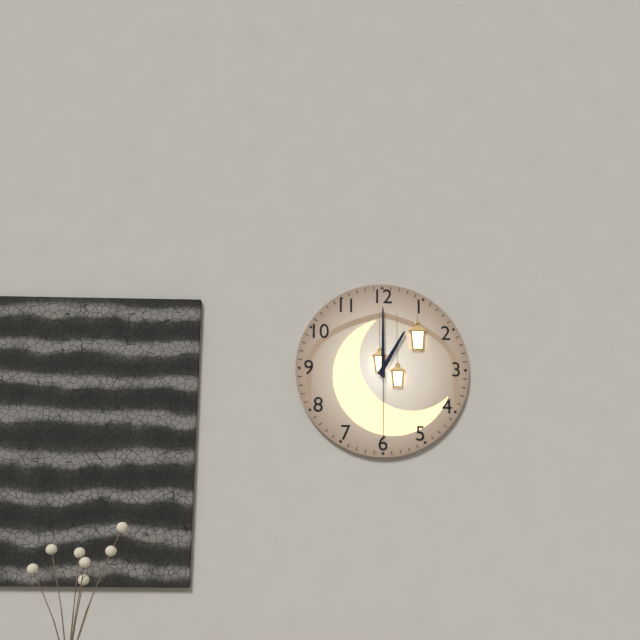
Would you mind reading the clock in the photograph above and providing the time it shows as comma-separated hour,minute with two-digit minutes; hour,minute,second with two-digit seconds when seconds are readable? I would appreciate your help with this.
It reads 1,00,30
